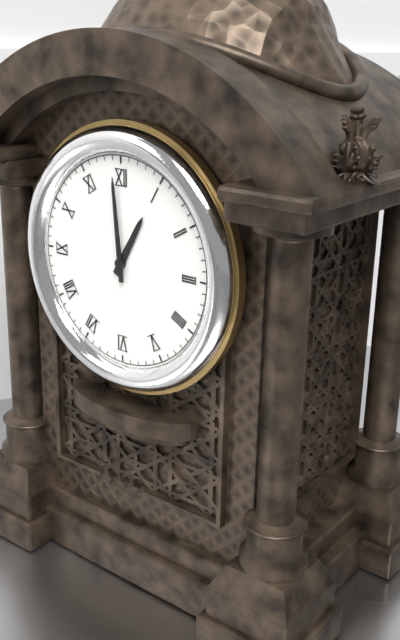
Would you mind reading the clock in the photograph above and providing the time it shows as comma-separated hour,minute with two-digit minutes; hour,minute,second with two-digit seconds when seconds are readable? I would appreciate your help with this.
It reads 12,59
